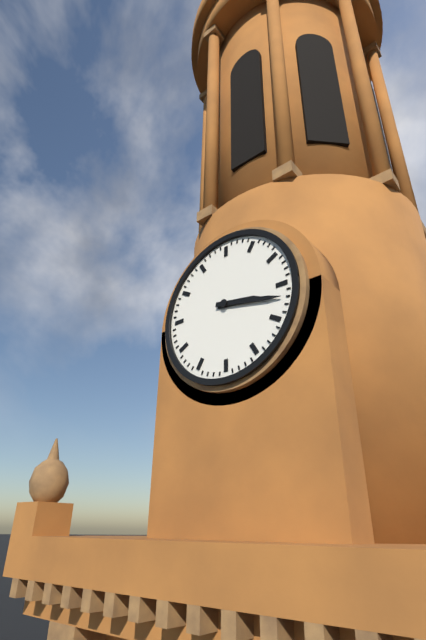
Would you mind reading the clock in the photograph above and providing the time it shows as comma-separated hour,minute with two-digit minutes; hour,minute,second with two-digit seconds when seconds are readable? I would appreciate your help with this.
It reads 3,17
